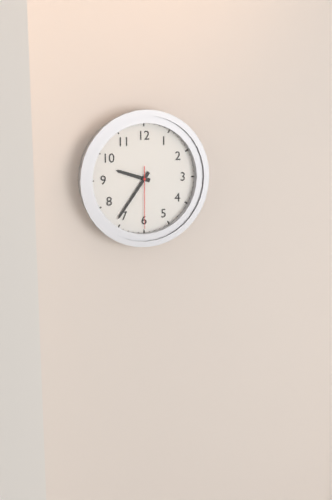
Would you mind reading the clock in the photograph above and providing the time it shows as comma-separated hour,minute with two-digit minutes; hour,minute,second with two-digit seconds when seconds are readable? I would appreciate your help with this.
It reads 9,36,30
